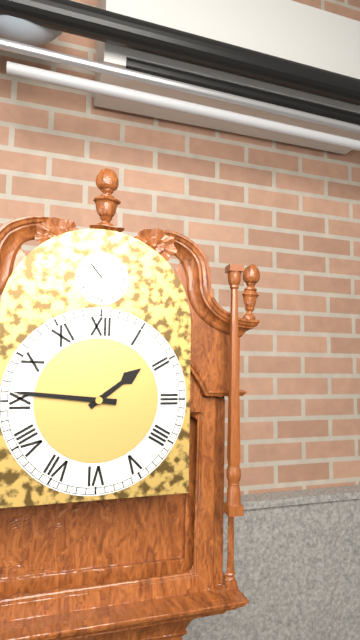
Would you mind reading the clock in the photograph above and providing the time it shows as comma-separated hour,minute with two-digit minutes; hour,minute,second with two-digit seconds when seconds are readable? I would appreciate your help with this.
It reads 1,46
